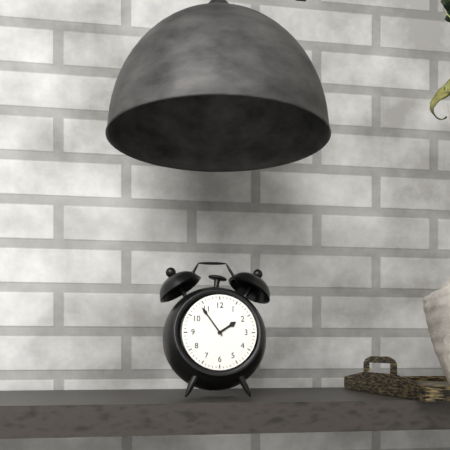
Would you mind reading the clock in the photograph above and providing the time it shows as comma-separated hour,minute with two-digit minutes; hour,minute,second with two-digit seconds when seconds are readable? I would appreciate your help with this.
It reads 1,54
